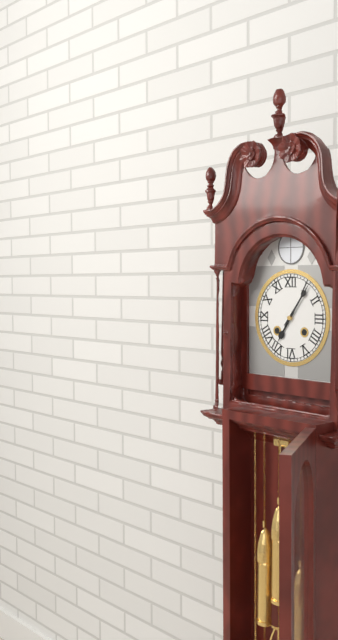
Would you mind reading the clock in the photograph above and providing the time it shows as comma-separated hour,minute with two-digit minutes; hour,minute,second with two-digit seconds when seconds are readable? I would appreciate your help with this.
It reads 7,06
